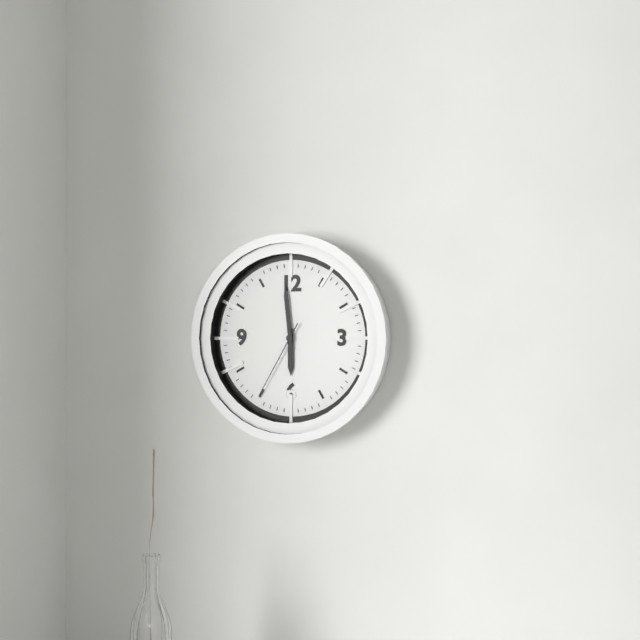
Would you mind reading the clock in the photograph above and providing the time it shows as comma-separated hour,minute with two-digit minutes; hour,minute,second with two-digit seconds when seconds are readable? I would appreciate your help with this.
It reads 5,59,35
